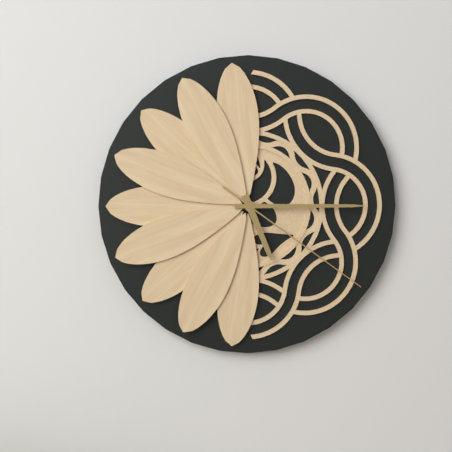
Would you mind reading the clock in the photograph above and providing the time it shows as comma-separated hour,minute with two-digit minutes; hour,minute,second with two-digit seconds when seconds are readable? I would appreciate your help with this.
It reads 5,15,21
